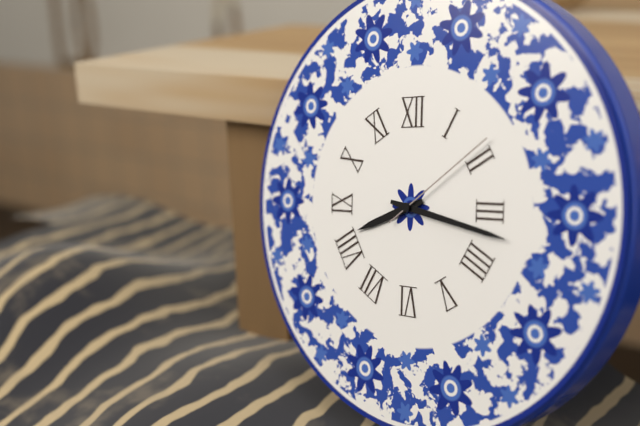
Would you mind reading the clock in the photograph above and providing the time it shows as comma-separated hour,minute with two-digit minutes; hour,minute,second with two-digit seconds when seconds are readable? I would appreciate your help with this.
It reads 8,17,09
